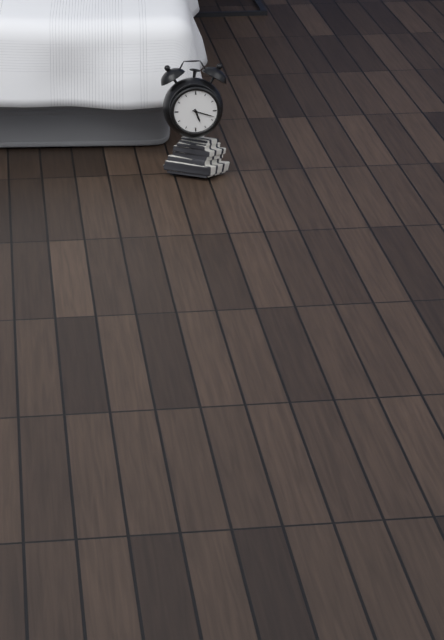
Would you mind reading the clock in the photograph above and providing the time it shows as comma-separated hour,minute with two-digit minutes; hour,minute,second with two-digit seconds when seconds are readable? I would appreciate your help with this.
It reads 5,18
